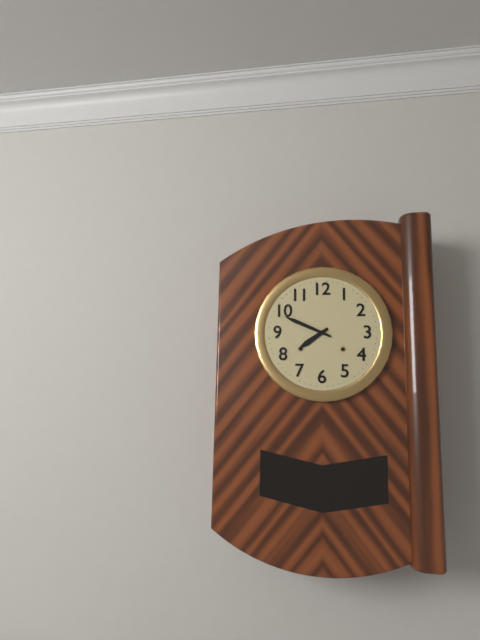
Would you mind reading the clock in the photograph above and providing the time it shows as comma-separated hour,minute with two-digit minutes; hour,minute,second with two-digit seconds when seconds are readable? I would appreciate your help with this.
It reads 7,49
